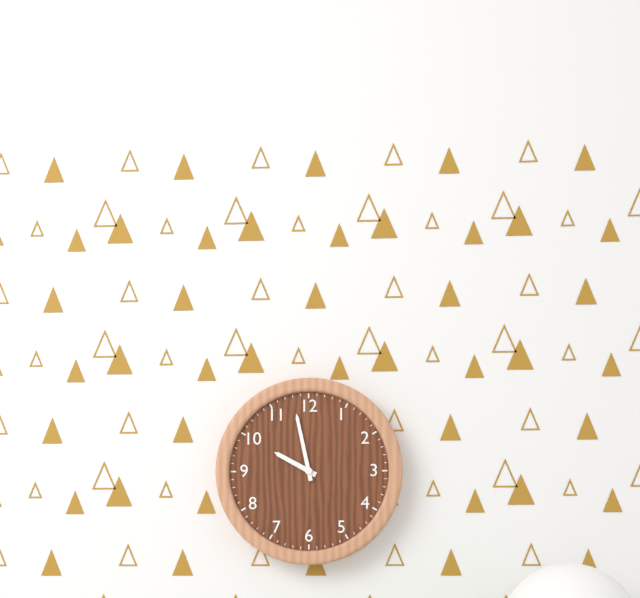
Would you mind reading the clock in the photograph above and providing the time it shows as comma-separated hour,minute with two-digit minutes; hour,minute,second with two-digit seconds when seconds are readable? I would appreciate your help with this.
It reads 9,58
